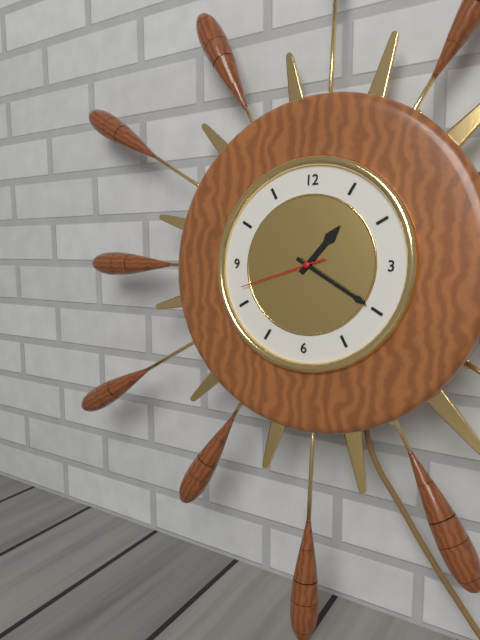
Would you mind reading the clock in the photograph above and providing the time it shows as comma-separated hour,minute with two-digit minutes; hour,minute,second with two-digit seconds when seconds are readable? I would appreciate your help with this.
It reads 1,20,42
